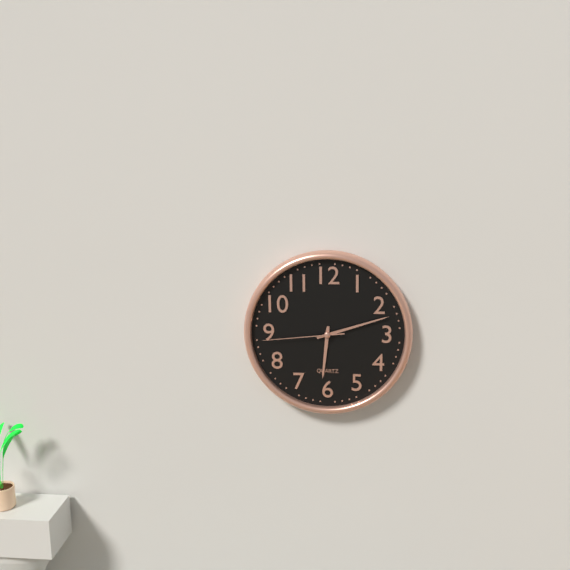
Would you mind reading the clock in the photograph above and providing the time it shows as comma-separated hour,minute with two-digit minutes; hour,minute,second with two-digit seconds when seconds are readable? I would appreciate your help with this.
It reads 6,12,44
